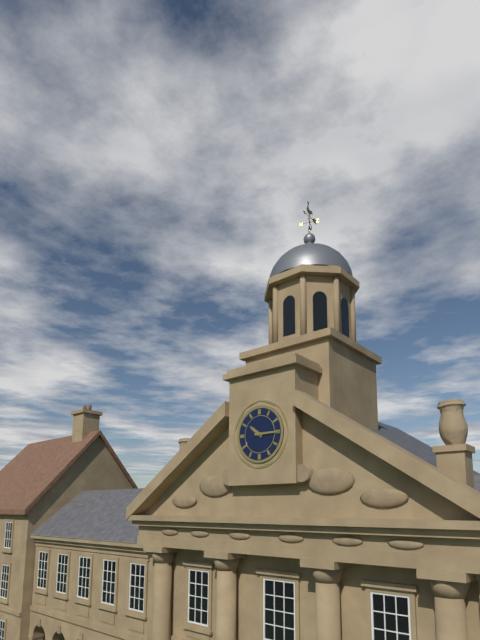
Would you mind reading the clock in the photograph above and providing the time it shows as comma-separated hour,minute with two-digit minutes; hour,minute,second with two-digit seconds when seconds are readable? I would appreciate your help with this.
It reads 10,15
